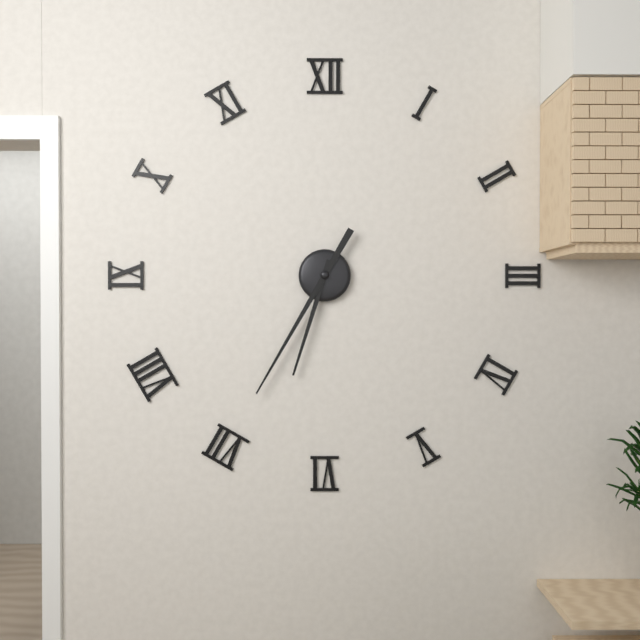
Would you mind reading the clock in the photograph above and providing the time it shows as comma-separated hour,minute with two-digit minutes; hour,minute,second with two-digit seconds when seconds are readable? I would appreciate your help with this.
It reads 6,35
